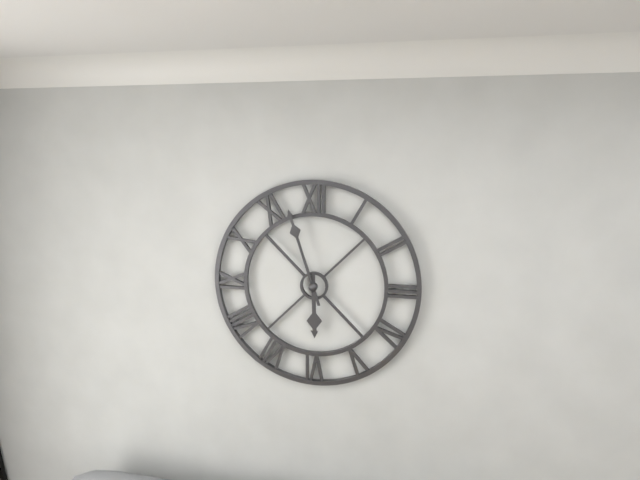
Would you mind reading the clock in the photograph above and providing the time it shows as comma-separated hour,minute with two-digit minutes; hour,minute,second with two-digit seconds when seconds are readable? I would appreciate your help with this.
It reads 5,57
